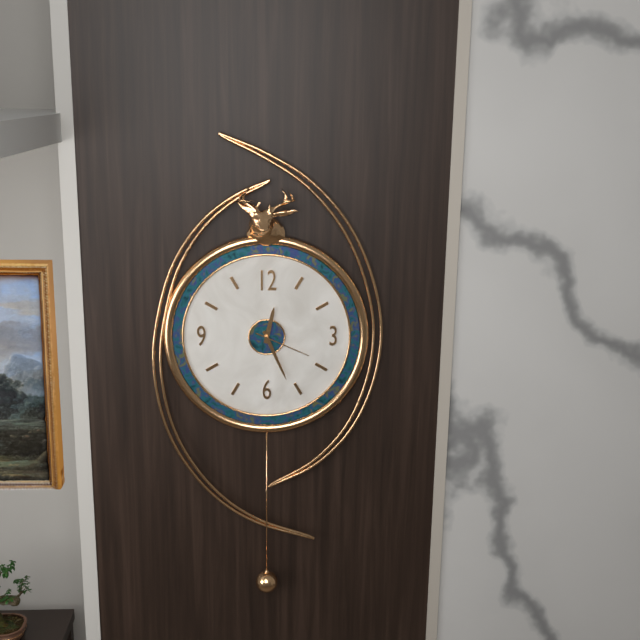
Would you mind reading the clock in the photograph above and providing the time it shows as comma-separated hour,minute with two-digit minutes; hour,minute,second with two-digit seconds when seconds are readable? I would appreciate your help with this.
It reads 12,26,19
